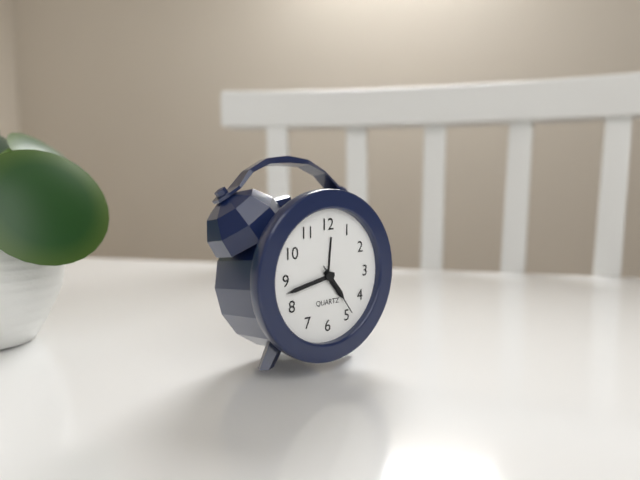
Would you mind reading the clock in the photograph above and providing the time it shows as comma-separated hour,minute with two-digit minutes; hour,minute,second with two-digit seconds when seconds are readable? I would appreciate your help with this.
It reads 4,43,24
